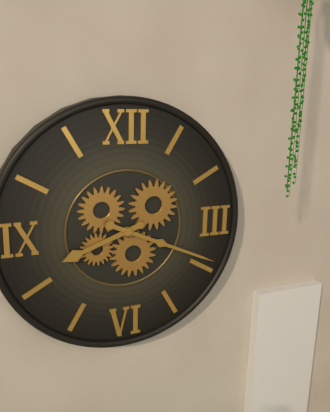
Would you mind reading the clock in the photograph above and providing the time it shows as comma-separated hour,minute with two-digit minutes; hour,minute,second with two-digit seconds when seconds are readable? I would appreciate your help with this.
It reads 8,19
